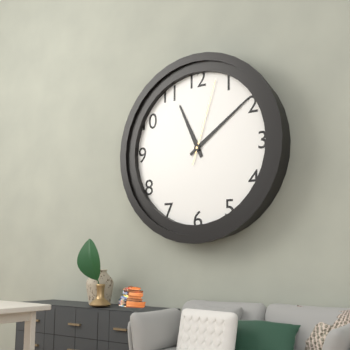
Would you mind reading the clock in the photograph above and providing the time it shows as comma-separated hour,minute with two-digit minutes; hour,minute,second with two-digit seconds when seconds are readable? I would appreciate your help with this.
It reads 11,09,03
